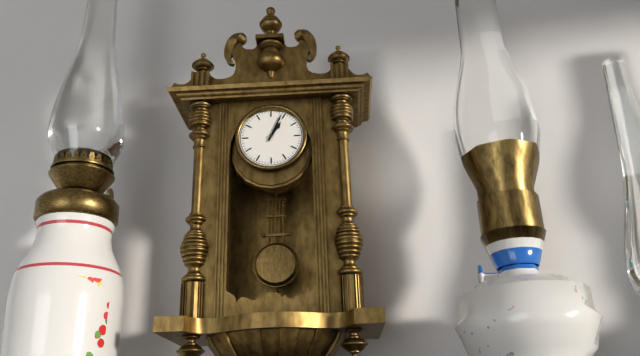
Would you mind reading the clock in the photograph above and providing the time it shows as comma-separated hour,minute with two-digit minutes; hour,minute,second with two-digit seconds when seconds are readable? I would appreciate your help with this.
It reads 1,04
